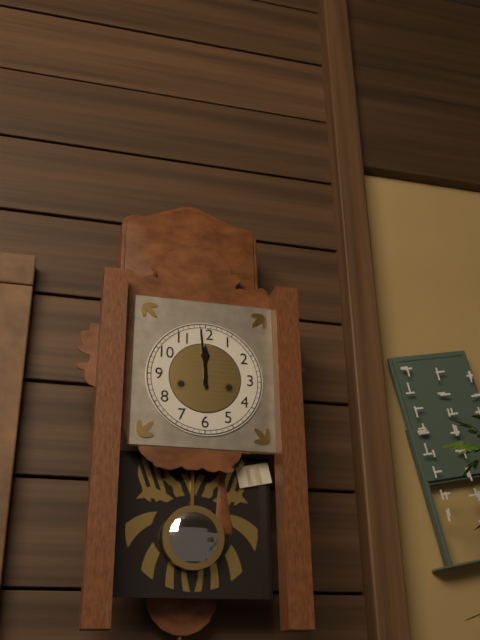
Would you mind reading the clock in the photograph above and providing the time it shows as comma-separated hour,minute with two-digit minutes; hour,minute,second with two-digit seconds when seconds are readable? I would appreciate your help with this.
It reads 11,59
